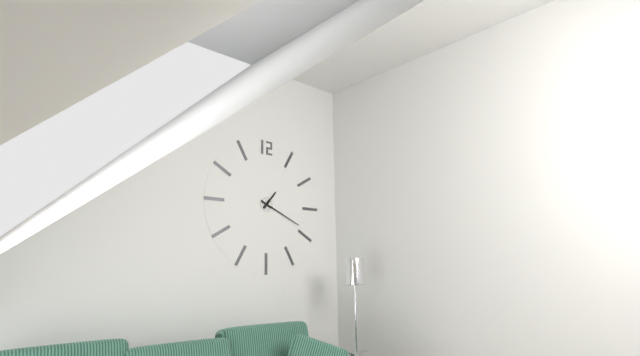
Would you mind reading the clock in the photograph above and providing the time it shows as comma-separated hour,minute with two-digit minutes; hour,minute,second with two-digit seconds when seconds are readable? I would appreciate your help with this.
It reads 1,19
